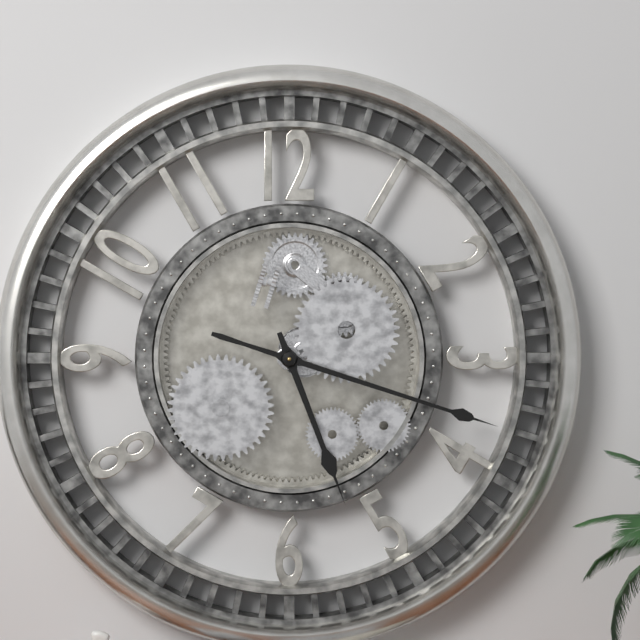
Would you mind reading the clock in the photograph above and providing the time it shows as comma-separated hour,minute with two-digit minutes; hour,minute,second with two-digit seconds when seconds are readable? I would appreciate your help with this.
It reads 5,18
